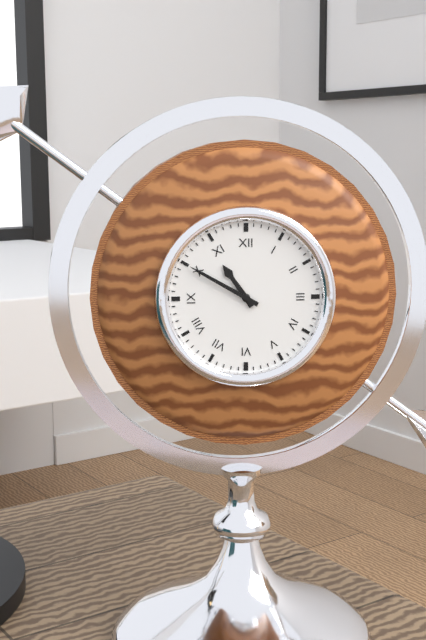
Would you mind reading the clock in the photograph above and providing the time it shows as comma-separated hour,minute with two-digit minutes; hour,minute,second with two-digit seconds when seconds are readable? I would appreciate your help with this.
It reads 10,50
